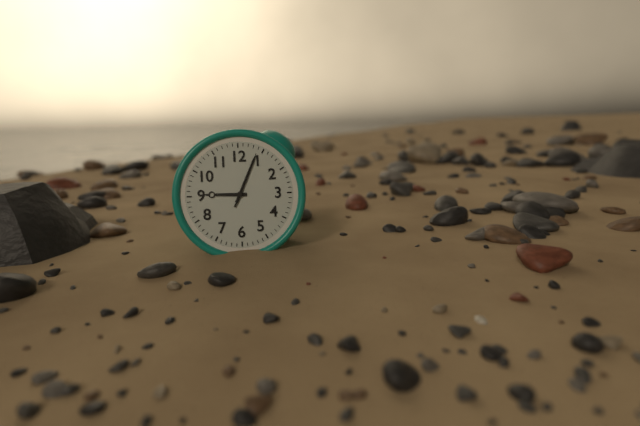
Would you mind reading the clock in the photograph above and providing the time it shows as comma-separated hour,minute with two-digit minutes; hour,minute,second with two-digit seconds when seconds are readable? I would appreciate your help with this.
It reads 9,04,04
